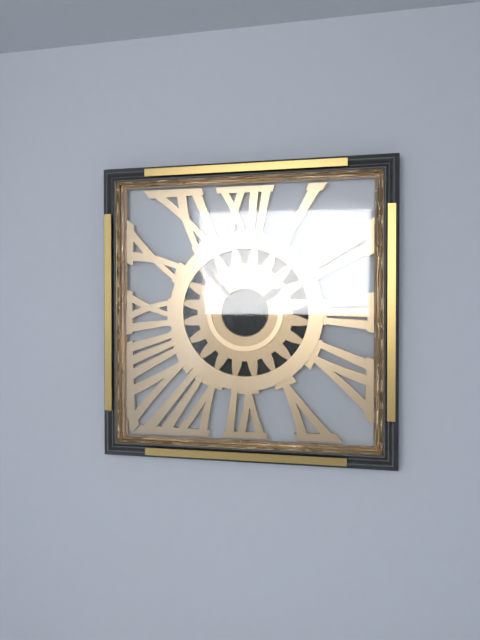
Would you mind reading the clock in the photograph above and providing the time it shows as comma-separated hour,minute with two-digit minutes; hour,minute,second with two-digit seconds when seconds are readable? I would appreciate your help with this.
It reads 1,53
